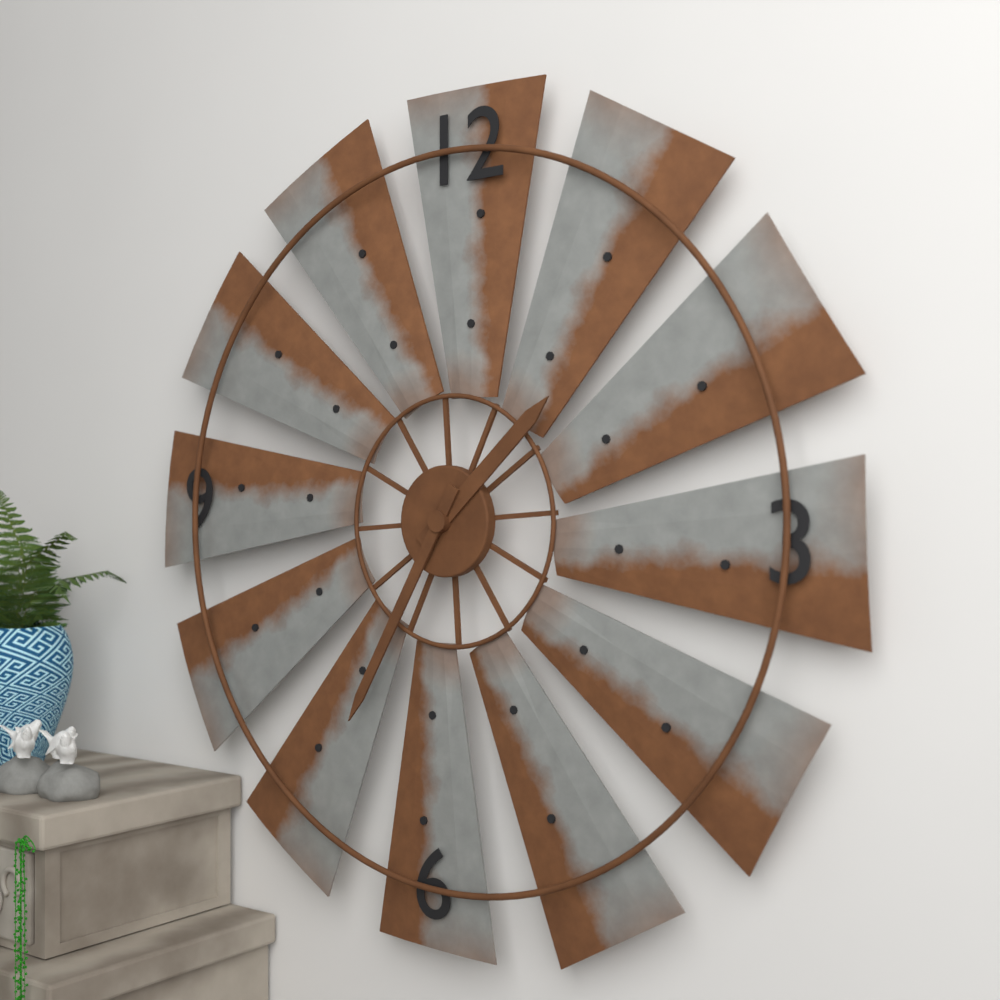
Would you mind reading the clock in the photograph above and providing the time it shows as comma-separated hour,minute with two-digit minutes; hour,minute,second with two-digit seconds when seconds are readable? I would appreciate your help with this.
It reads 1,35
